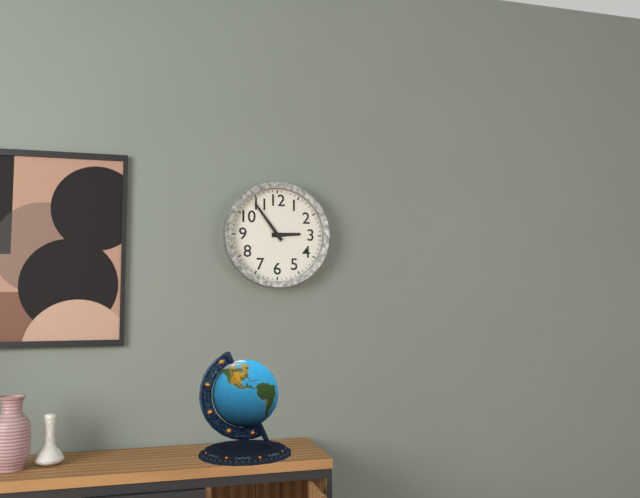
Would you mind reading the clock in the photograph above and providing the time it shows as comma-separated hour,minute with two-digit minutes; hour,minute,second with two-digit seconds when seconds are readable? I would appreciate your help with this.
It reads 2,54
